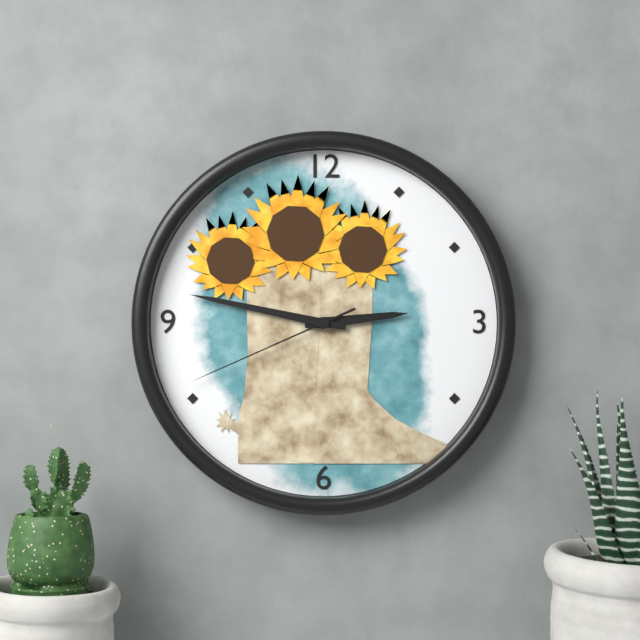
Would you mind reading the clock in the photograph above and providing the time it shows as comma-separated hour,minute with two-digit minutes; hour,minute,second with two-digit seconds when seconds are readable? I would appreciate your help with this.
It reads 2,47,41
